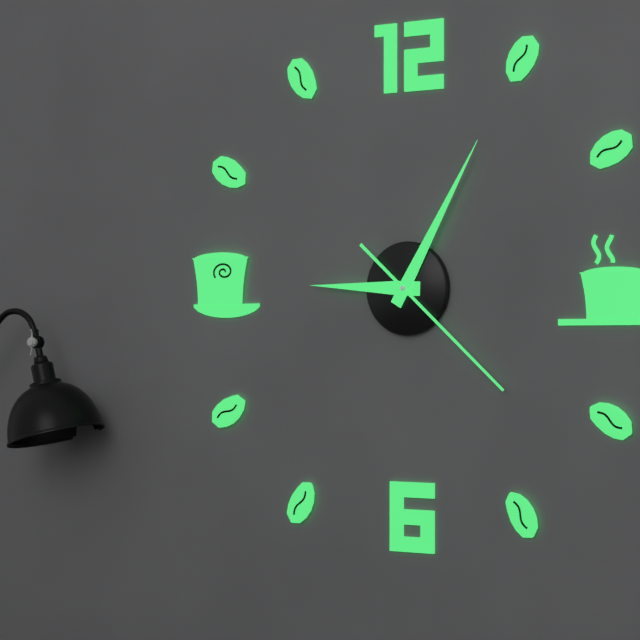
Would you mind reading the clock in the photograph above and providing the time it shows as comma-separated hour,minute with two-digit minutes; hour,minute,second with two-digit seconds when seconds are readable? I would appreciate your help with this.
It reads 9,05,22
